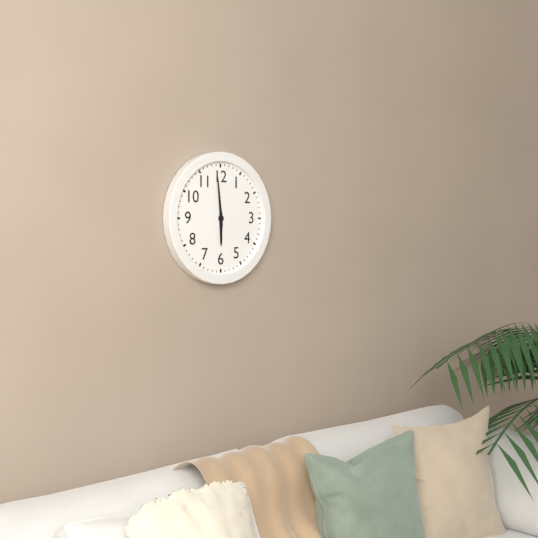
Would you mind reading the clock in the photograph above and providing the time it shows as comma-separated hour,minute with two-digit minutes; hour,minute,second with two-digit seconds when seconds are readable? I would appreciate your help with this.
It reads 5,59
